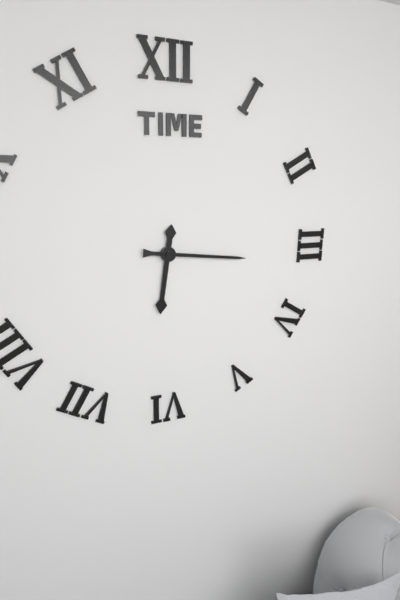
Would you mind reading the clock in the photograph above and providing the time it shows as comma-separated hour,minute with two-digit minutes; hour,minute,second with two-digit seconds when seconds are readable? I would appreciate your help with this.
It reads 6,16
